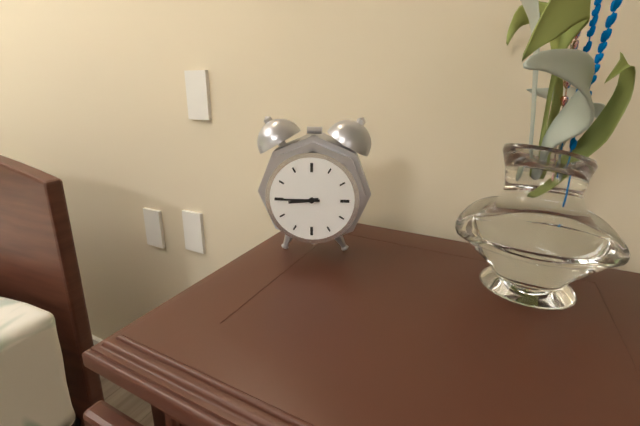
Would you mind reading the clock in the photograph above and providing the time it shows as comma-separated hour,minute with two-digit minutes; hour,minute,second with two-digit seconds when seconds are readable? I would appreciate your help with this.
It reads 8,45
